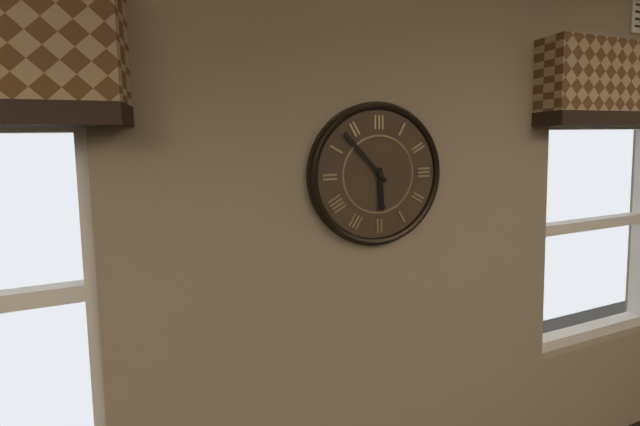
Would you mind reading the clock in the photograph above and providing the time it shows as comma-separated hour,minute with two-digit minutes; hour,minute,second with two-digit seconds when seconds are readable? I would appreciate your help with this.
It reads 5,53
